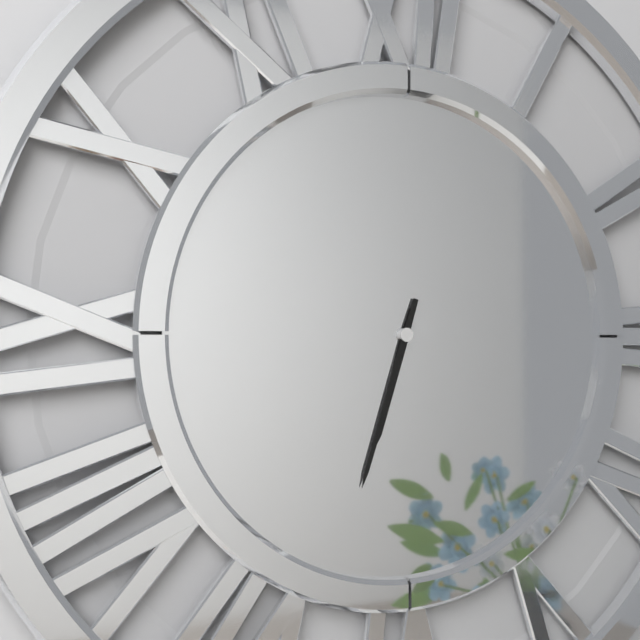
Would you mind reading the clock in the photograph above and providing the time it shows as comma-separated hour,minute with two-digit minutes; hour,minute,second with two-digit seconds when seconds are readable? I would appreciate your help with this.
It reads 6,33
